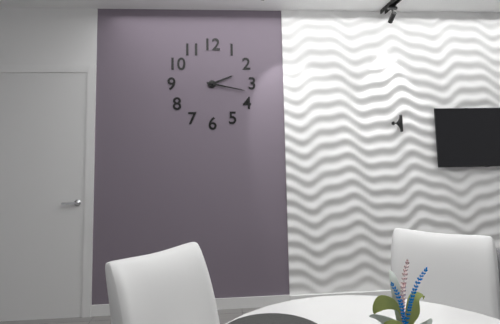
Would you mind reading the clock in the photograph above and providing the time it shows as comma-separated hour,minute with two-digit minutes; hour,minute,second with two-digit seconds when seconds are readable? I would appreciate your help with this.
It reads 2,17
